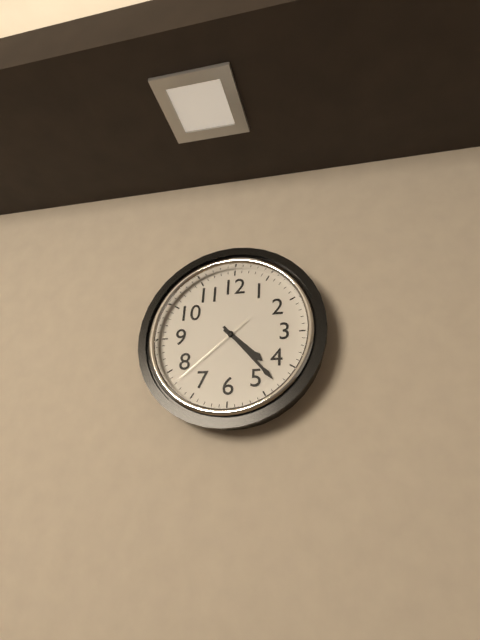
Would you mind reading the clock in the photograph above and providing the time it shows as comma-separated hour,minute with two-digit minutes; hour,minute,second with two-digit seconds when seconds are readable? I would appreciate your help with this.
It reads 4,23,38
